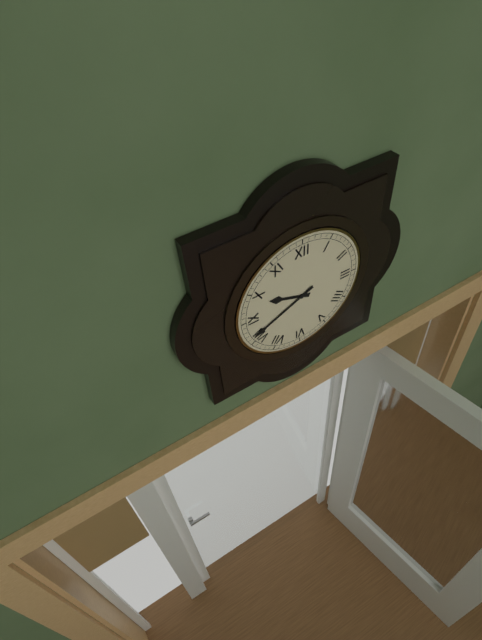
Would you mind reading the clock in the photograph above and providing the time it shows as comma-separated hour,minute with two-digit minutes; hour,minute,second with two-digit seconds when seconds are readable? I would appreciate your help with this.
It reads 9,41
